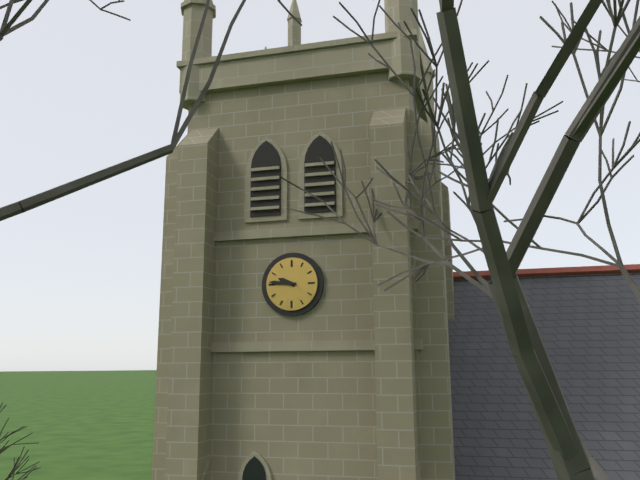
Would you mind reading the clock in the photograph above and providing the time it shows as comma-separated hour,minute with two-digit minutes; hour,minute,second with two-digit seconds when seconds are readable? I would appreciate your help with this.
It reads 9,46
